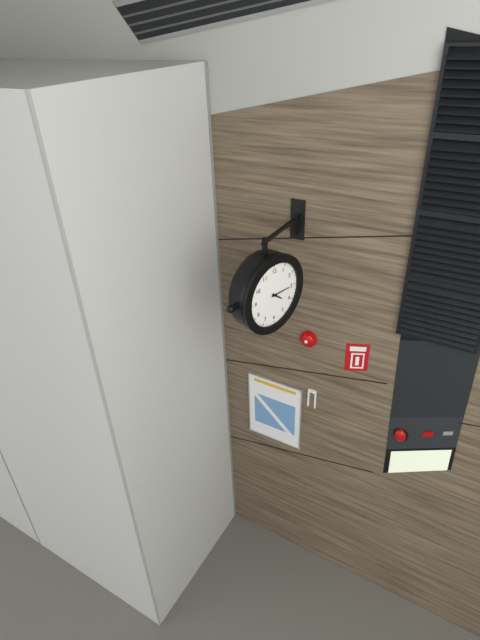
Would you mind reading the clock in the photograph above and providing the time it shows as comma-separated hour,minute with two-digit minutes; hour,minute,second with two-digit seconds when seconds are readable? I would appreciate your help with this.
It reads 4,15
